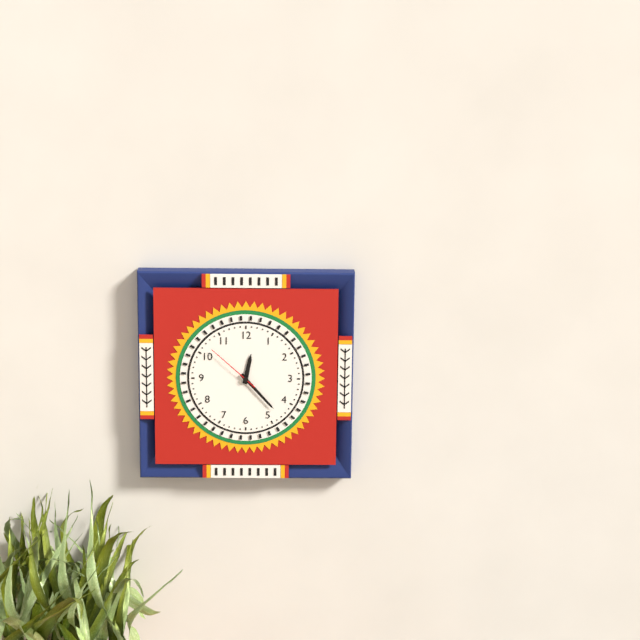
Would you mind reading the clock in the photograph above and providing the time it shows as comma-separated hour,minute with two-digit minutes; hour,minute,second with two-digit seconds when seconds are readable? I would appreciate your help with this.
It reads 12,23,52
